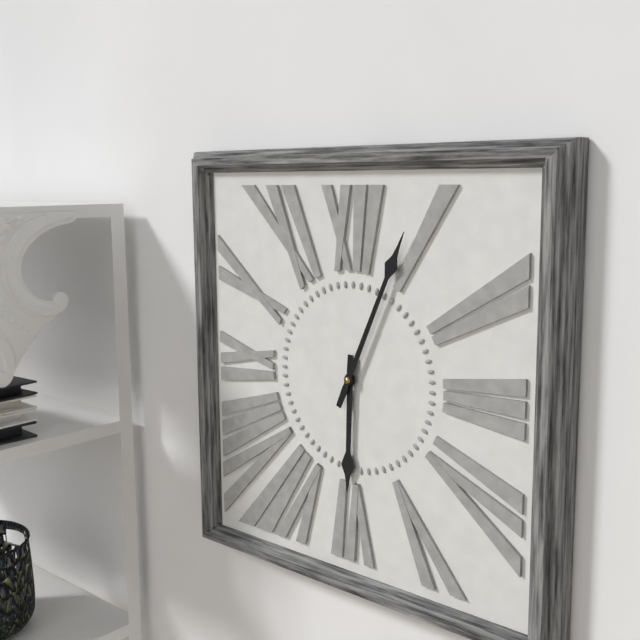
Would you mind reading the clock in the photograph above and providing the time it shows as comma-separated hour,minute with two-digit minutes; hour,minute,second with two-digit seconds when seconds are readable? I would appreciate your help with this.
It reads 6,04
